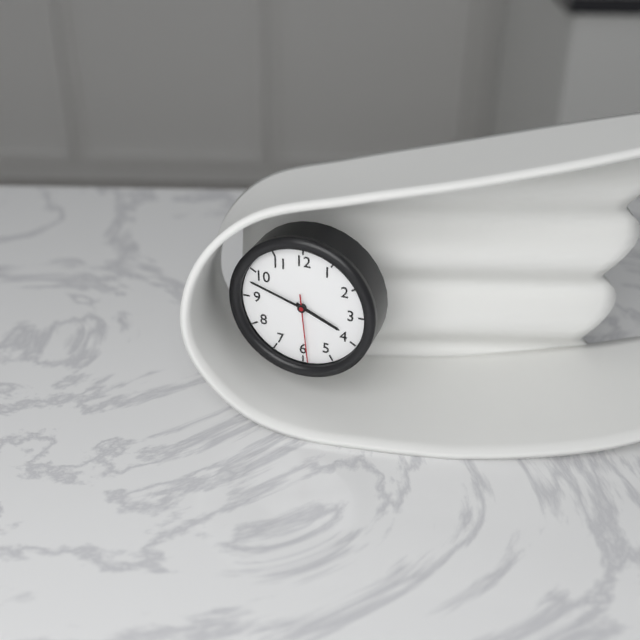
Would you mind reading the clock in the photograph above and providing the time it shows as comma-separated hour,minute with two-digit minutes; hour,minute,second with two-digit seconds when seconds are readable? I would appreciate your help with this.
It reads 3,48,29
